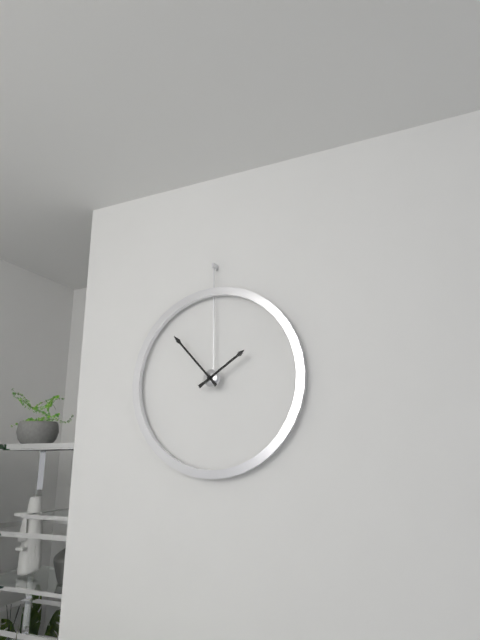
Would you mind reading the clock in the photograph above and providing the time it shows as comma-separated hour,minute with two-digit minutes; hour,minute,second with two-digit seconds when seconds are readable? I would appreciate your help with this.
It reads 1,53
